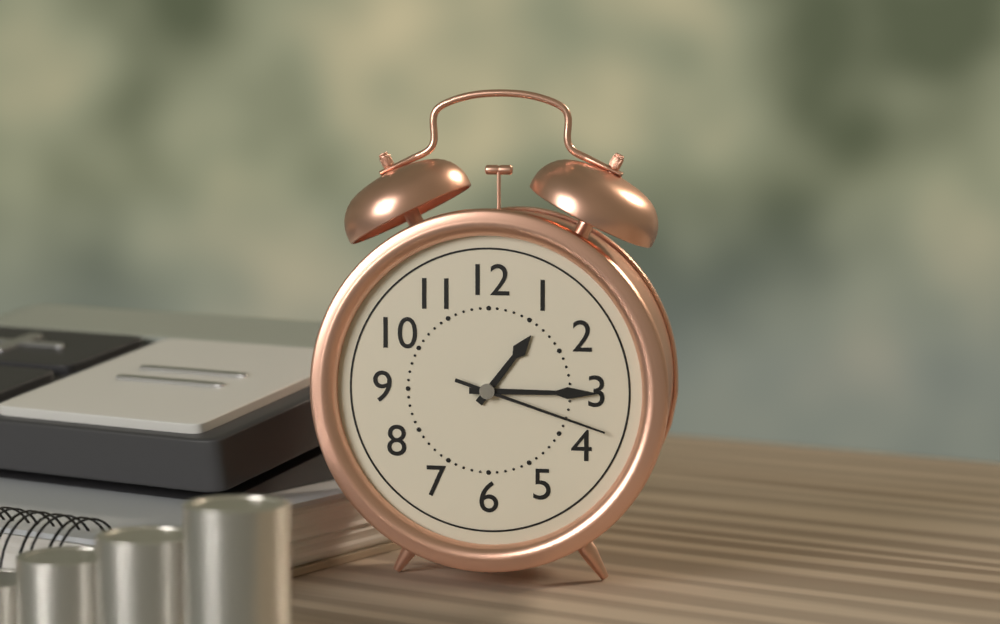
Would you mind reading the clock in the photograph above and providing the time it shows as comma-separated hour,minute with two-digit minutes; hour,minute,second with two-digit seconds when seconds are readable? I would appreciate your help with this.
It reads 1,15,18
